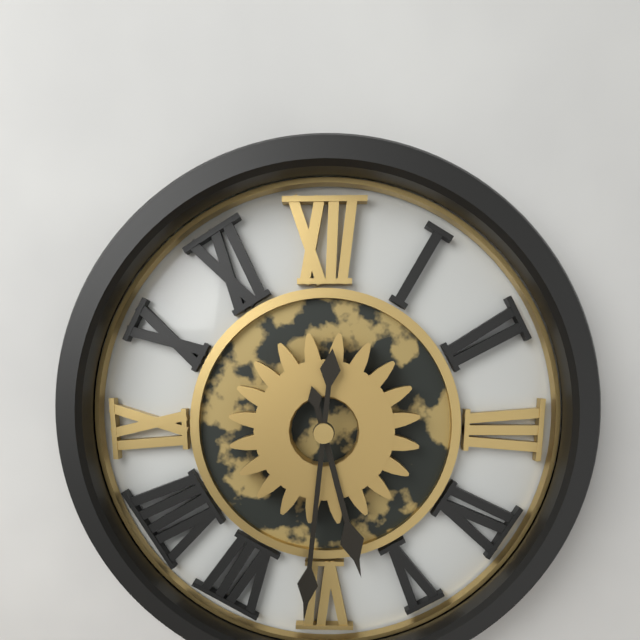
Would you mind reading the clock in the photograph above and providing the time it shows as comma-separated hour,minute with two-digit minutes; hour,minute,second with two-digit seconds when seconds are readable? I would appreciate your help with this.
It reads 5,31
